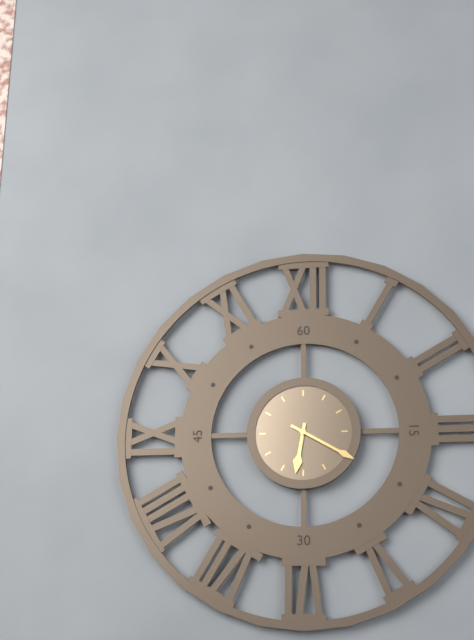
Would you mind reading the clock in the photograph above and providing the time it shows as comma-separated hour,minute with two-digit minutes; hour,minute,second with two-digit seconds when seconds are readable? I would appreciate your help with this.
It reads 6,20
